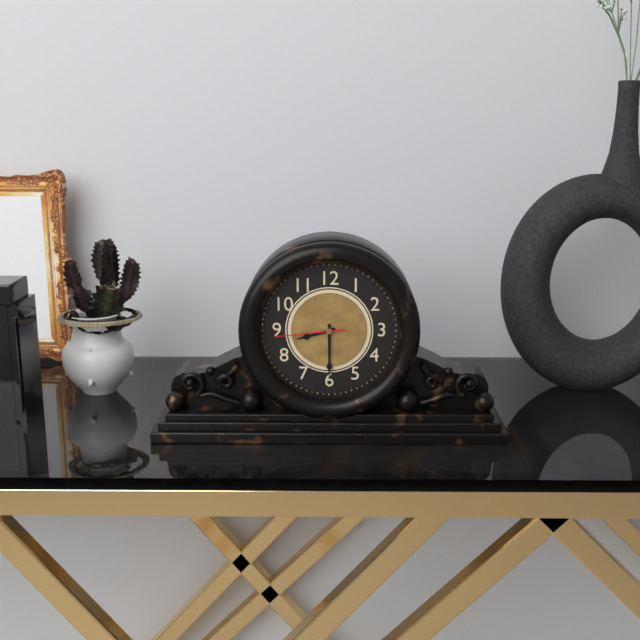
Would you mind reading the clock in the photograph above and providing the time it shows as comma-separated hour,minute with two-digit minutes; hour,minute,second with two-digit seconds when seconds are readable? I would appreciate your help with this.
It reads 8,30,44
